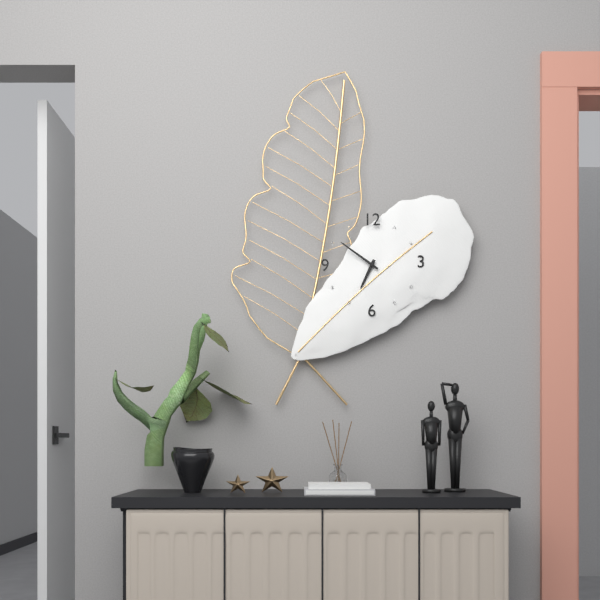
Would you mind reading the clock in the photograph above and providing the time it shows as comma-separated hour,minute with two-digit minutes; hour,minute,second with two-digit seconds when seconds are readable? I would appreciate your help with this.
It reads 6,51
